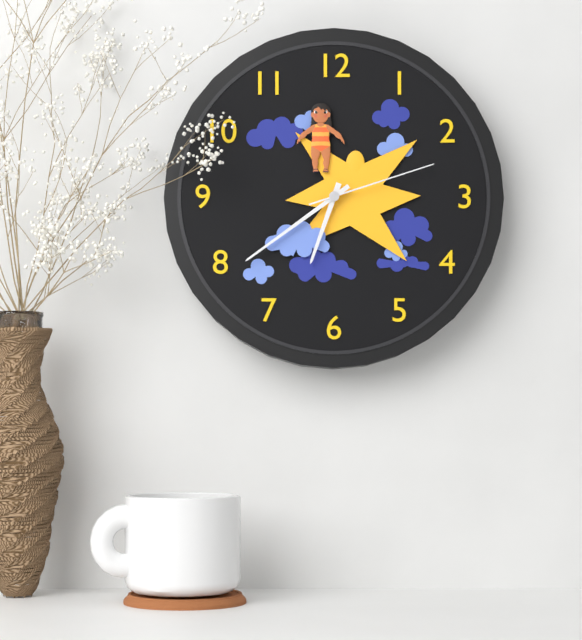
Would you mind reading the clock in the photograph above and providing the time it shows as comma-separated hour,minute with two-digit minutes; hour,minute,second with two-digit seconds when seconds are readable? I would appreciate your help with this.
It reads 6,39,12
